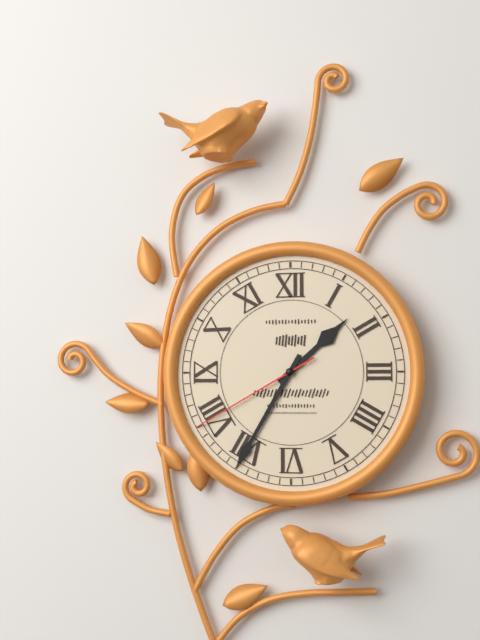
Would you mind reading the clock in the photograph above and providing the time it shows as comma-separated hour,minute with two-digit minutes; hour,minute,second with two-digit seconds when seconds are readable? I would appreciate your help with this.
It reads 1,35,40
